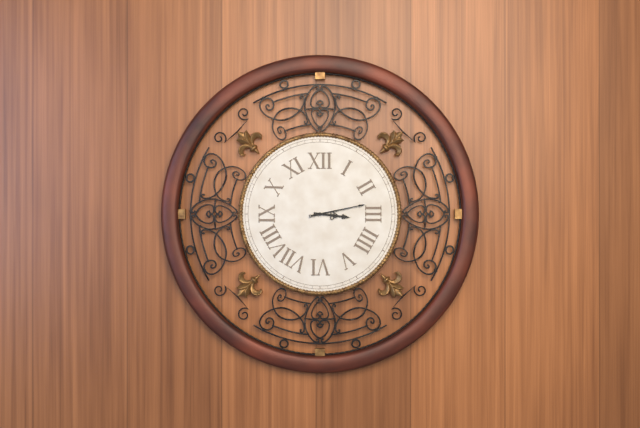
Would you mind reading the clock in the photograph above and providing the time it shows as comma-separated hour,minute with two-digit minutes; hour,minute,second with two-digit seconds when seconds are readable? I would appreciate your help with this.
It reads 3,13
